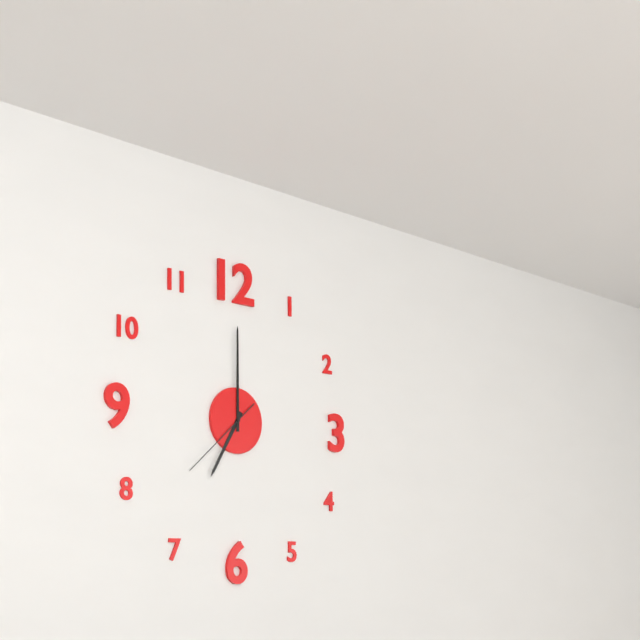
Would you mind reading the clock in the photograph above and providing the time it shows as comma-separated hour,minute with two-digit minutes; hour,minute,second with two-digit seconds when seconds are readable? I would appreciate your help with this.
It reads 7,00,38
